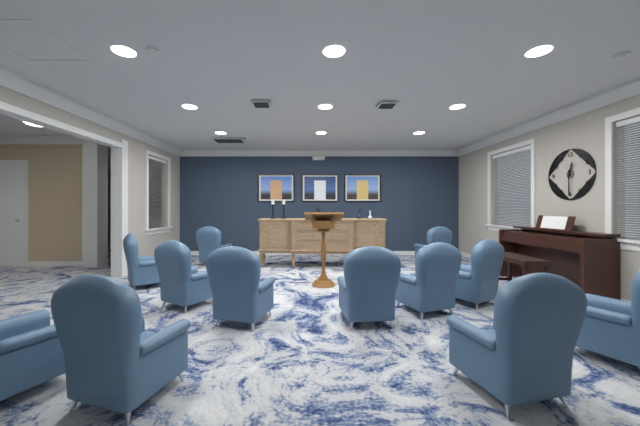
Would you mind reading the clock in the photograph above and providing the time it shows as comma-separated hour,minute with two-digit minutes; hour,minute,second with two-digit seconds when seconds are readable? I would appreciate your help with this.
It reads 12,30
